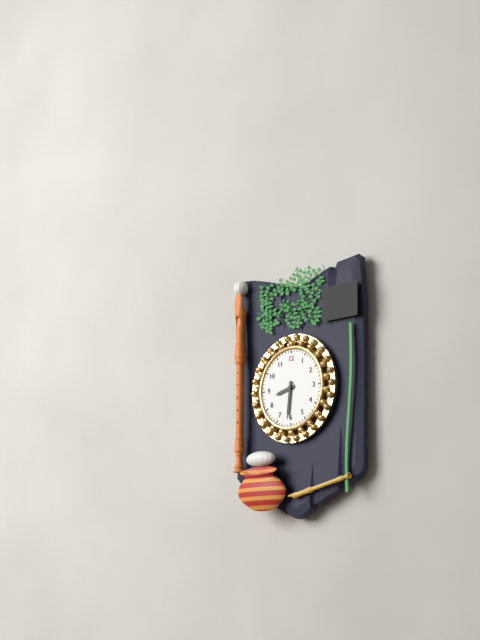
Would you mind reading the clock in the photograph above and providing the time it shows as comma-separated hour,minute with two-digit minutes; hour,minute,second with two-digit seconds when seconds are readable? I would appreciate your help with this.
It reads 8,31
